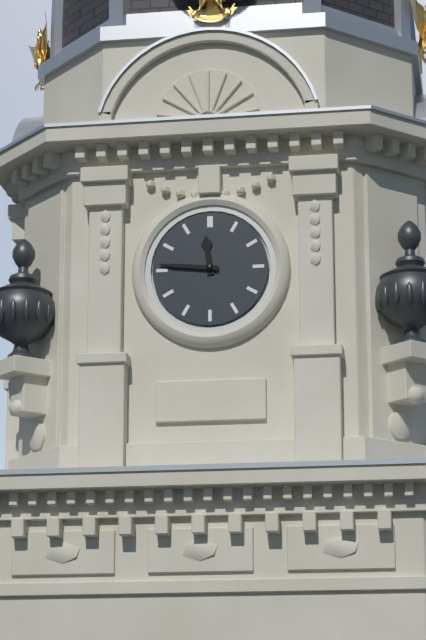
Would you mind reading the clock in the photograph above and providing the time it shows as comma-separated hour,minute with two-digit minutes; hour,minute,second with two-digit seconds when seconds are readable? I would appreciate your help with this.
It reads 11,46
